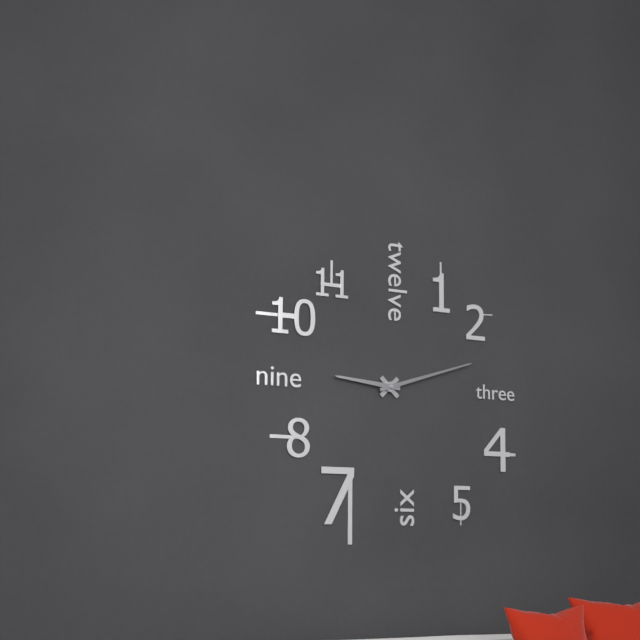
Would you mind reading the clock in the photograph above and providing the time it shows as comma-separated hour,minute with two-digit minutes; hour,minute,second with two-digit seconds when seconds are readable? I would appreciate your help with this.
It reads 9,12
